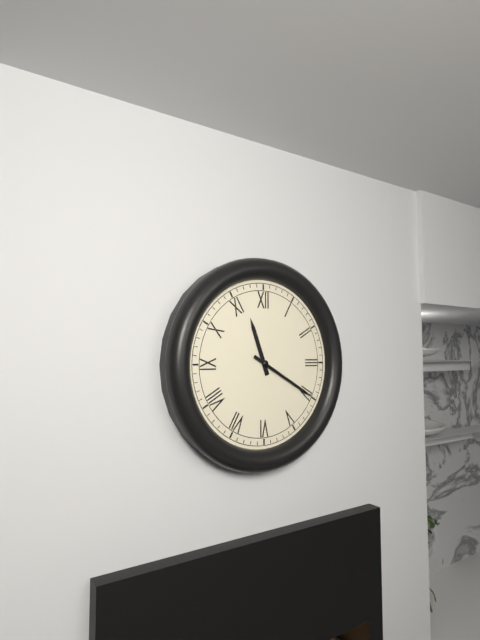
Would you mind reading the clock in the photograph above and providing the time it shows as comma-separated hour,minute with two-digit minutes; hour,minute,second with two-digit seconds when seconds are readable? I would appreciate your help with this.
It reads 11,20
